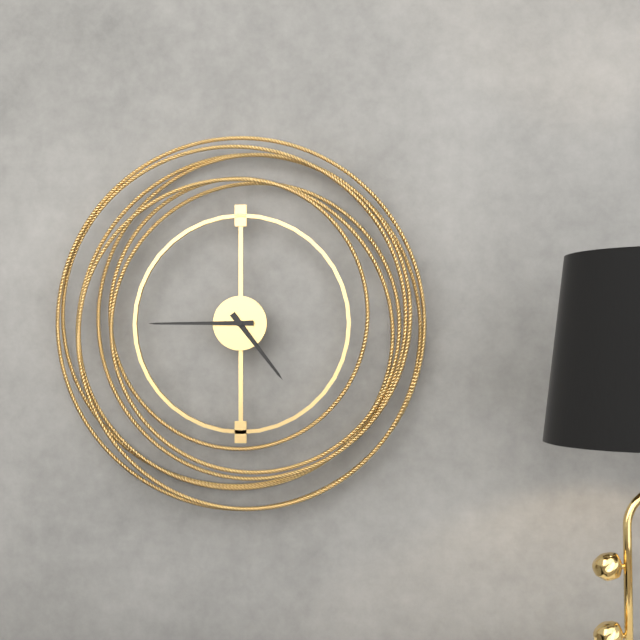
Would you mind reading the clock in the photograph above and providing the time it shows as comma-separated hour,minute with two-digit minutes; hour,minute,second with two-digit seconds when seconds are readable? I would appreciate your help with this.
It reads 4,45
